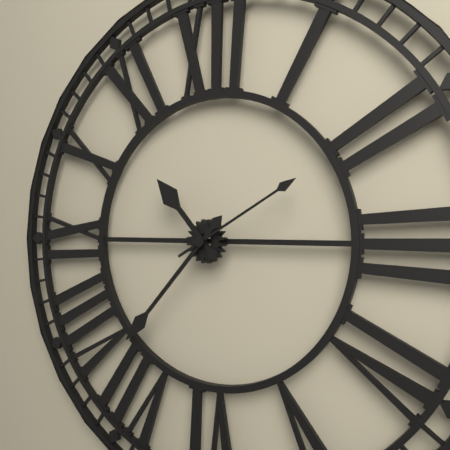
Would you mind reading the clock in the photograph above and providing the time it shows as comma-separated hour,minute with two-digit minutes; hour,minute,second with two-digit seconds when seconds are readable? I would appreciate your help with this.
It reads 10,37,10
